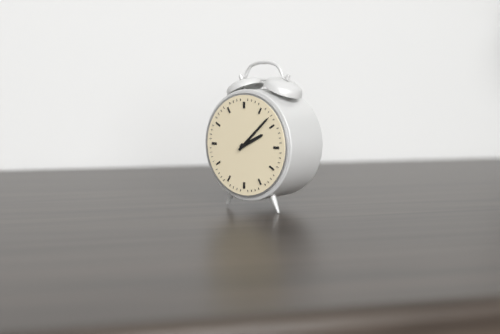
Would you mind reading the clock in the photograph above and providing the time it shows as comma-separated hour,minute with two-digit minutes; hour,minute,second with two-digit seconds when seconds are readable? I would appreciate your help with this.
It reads 2,08
